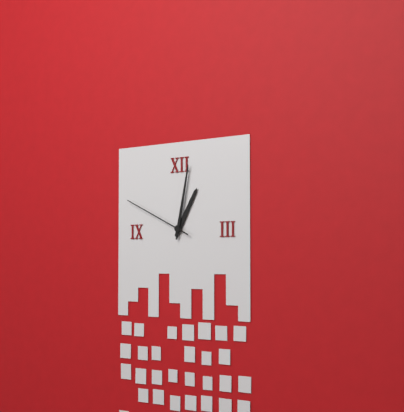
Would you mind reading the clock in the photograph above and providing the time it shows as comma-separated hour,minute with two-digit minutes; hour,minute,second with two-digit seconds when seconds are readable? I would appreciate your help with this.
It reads 1,02,49
